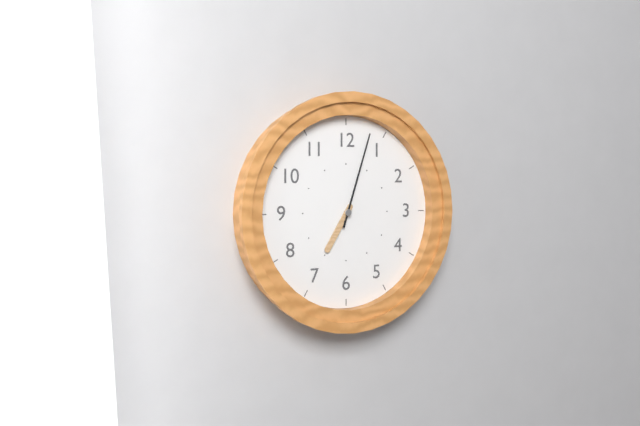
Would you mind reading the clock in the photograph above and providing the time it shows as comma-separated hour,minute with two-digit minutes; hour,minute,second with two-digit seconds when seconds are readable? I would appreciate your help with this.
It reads 7,03
